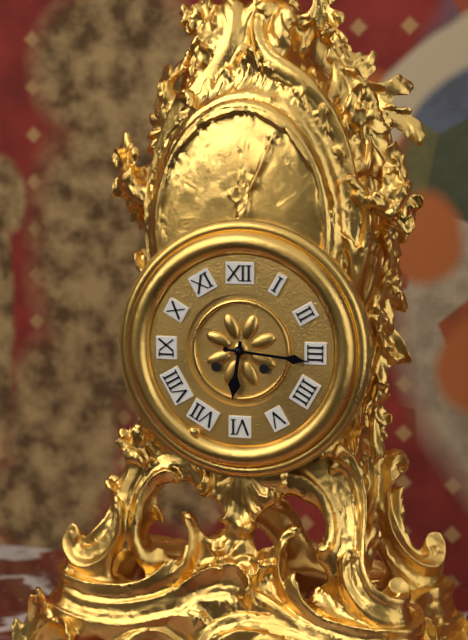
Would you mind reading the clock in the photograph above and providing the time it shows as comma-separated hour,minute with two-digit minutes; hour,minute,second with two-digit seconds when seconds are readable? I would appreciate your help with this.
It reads 6,16
